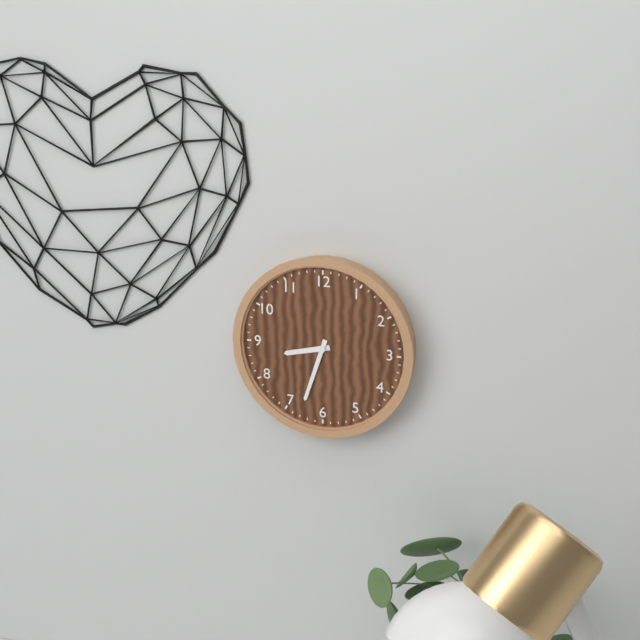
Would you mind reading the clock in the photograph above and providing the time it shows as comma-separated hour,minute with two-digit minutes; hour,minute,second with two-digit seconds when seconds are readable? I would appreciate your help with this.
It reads 8,33
